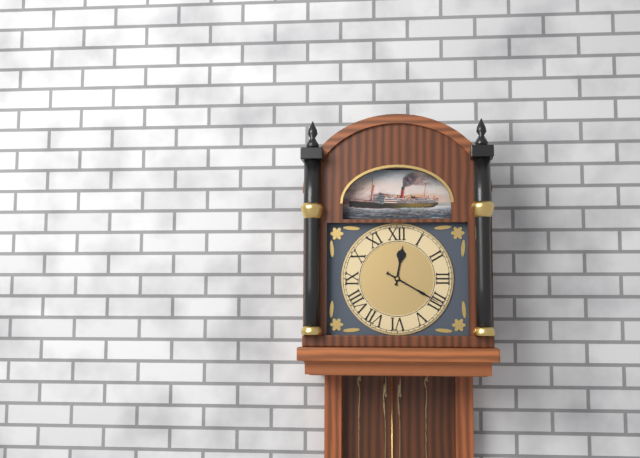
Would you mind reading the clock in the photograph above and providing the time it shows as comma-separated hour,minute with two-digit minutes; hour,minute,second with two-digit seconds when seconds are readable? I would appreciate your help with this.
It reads 12,20
